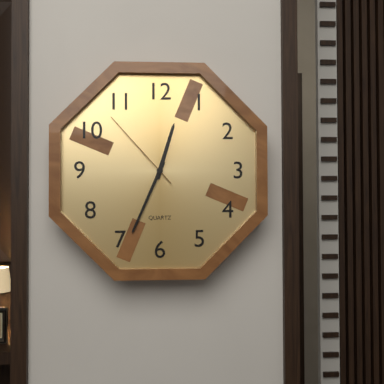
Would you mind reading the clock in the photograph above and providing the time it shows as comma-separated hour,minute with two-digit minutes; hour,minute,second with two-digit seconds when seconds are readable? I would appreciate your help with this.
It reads 12,34,53
